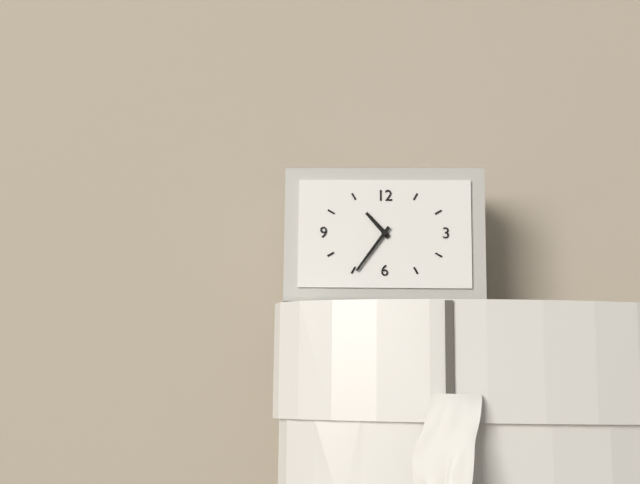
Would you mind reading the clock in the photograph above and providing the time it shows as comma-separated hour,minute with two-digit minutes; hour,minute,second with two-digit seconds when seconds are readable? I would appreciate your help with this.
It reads 10,36
